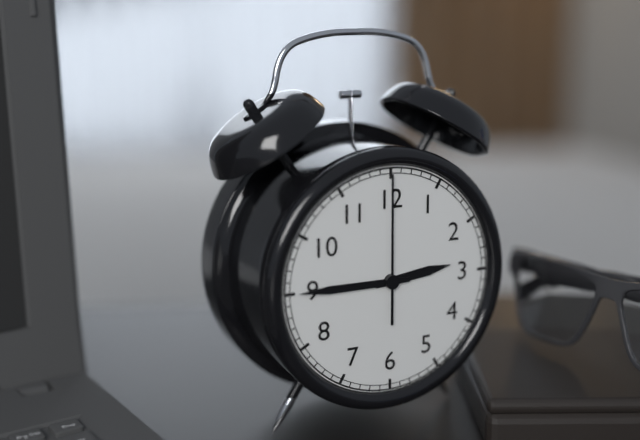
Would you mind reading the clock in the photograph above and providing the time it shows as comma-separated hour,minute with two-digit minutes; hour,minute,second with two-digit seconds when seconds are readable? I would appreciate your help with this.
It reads 2,45,00
